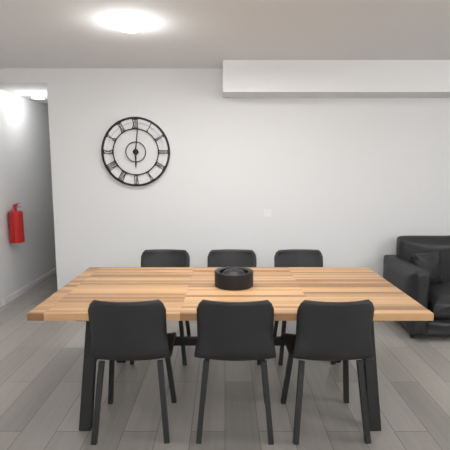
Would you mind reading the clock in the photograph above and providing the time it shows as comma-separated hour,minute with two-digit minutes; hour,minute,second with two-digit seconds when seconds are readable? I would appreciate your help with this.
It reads 6,01
